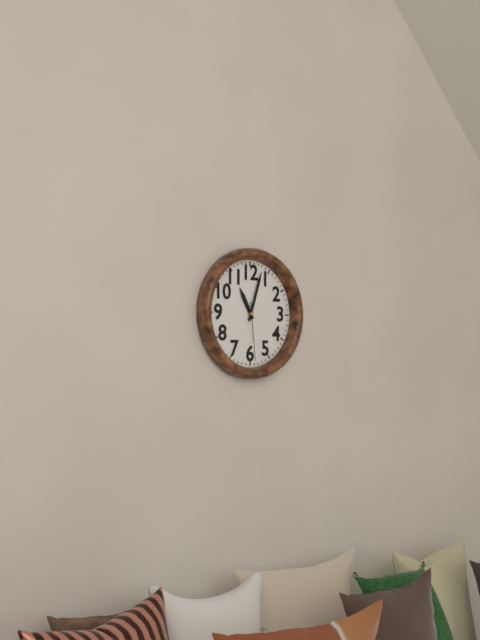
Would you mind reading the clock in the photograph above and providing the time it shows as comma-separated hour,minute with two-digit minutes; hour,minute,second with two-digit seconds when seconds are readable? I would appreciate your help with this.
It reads 11,03,29
